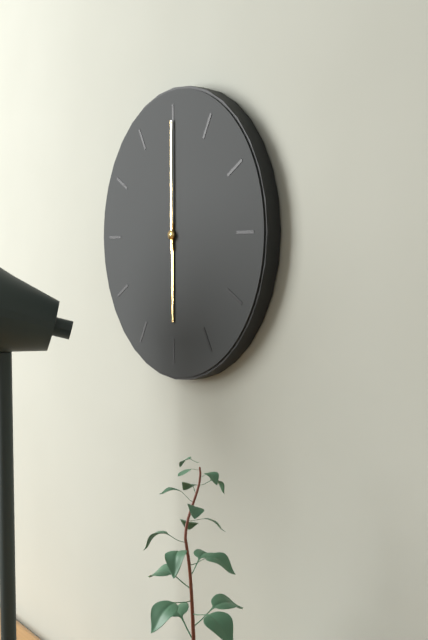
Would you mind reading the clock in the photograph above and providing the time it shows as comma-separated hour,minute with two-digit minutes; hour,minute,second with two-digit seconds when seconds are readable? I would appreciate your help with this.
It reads 6,00
